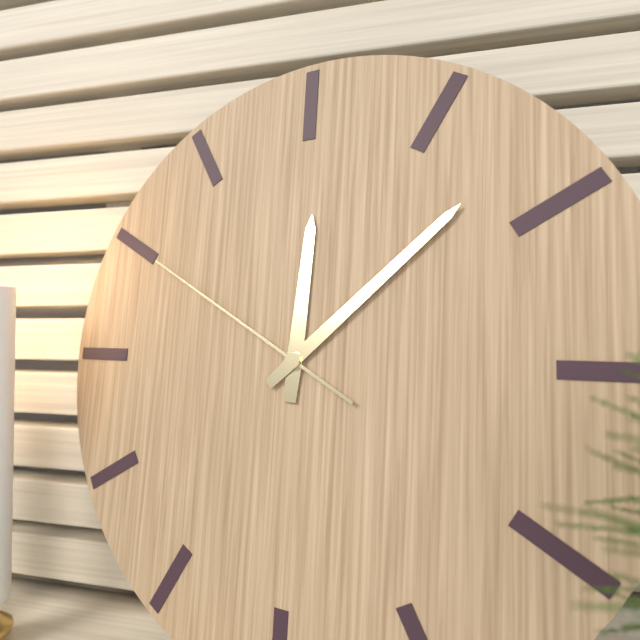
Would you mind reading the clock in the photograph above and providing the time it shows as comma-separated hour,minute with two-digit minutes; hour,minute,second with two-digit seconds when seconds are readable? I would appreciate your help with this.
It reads 12,08,50
